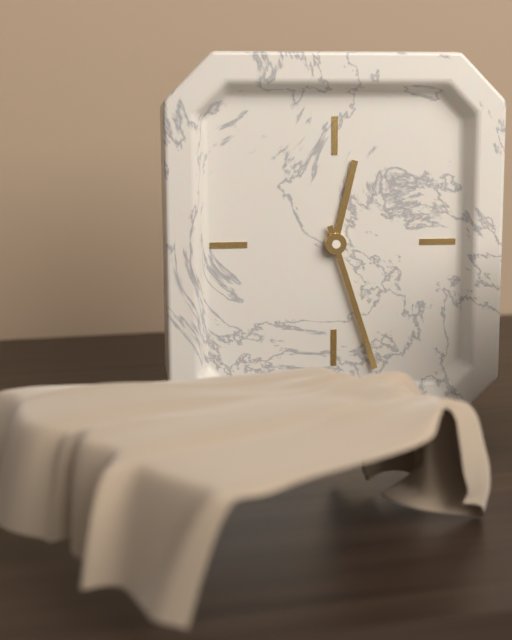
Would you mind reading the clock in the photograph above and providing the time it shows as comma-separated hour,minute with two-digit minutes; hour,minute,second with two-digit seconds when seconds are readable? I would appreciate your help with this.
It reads 12,27
